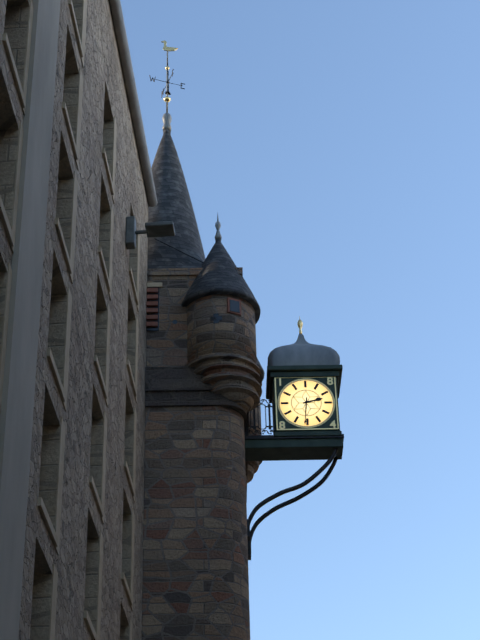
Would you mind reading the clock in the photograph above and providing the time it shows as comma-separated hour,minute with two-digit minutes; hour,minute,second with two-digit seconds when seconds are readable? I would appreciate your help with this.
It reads 2,31
